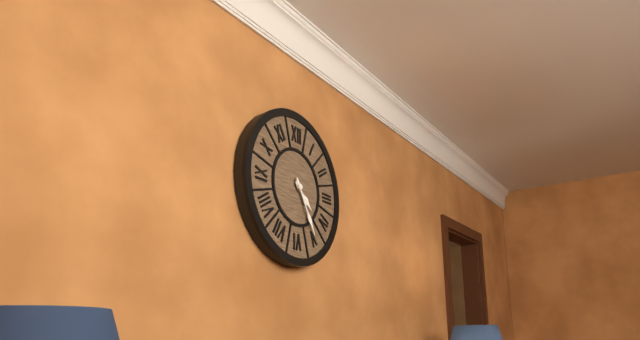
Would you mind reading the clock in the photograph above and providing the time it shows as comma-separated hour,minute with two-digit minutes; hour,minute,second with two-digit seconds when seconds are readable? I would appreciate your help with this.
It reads 4,25
